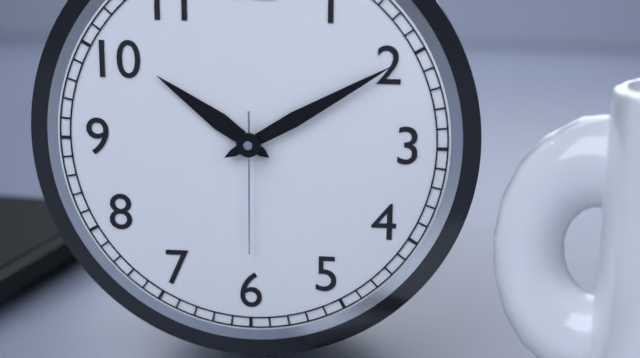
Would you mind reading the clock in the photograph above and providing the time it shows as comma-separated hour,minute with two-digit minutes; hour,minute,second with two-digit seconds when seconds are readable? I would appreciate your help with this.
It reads 10,10,30
